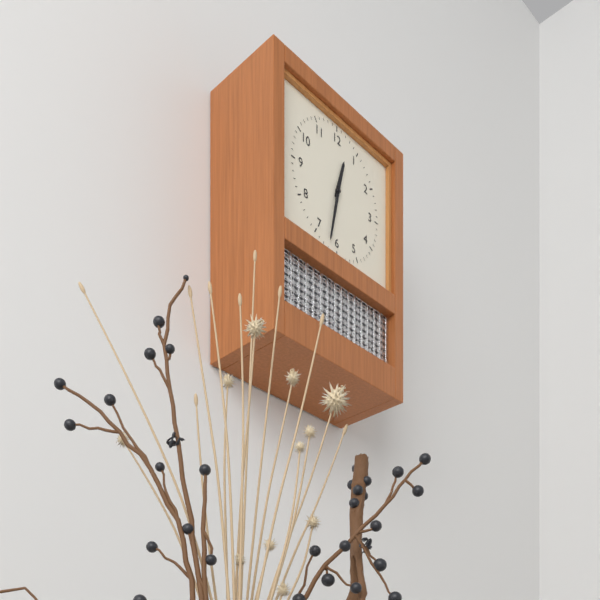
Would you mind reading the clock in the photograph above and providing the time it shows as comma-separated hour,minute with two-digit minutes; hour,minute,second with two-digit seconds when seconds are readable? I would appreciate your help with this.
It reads 12,32
